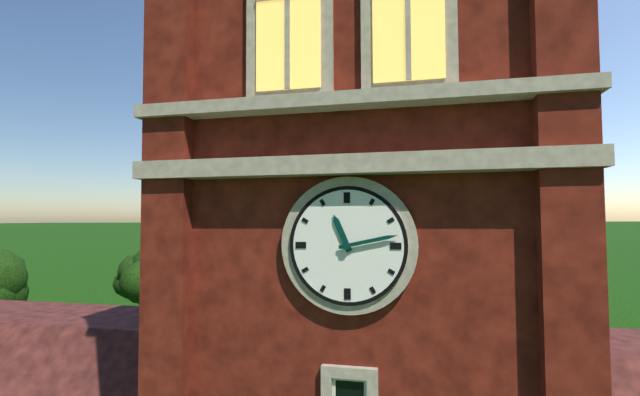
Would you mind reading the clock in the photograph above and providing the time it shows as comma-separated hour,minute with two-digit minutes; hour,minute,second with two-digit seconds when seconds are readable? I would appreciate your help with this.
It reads 11,13
